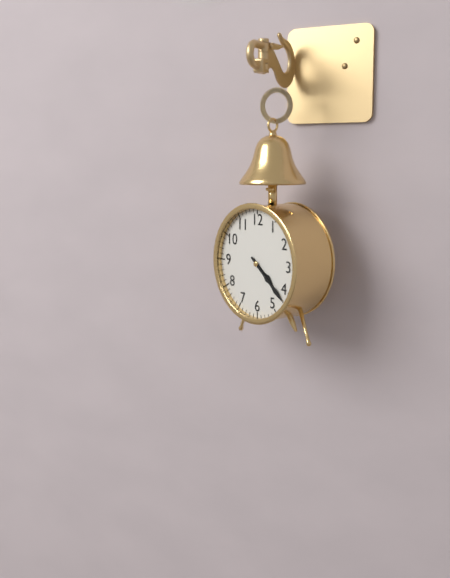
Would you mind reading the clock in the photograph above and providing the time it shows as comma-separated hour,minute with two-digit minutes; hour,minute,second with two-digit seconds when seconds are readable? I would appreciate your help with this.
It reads 4,22
